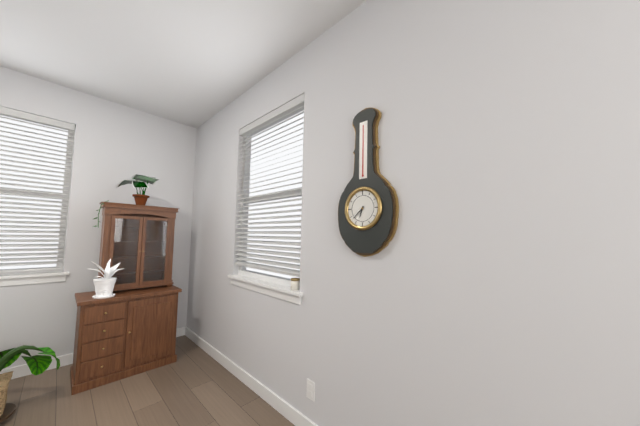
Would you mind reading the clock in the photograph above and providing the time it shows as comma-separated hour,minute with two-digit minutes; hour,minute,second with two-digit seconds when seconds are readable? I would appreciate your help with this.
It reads 6,38
